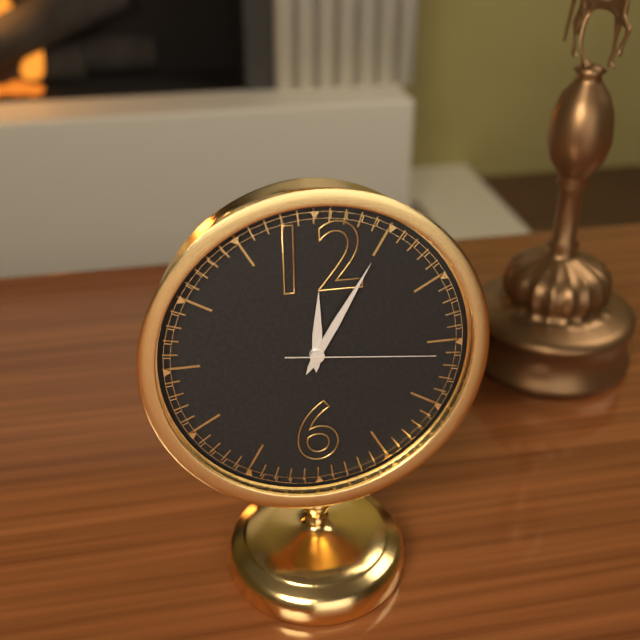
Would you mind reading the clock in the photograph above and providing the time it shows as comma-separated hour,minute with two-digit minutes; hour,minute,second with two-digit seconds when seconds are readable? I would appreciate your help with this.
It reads 12,05,16
